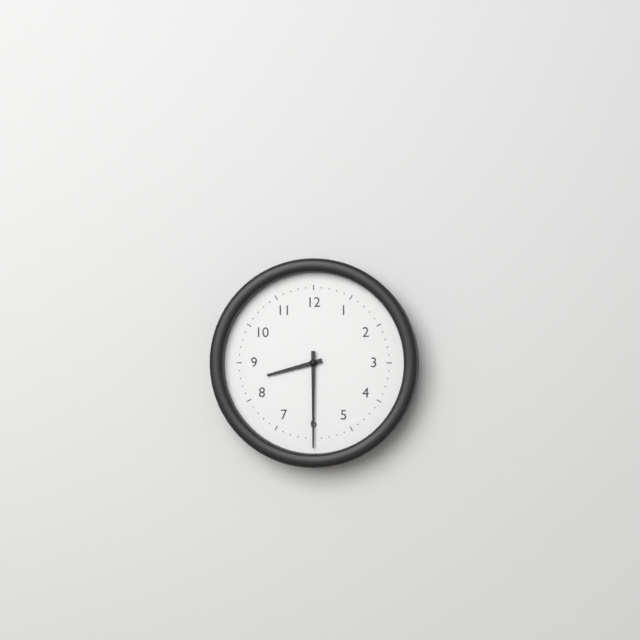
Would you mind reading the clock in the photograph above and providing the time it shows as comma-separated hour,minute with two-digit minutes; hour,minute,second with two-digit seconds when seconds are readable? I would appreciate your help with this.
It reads 8,30
